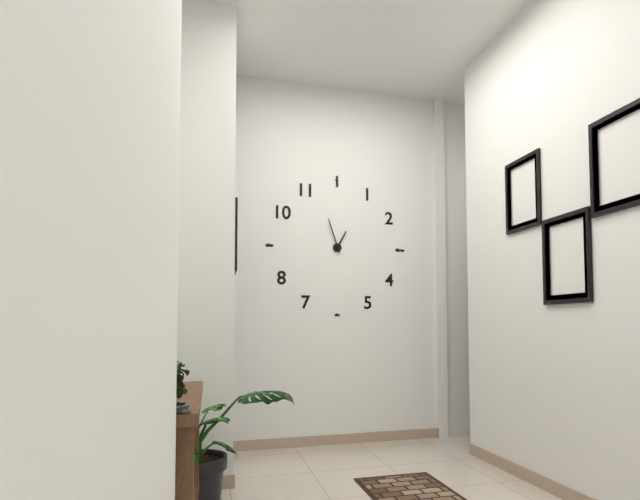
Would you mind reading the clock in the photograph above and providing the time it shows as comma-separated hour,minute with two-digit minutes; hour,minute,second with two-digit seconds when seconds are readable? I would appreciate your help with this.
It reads 12,57
